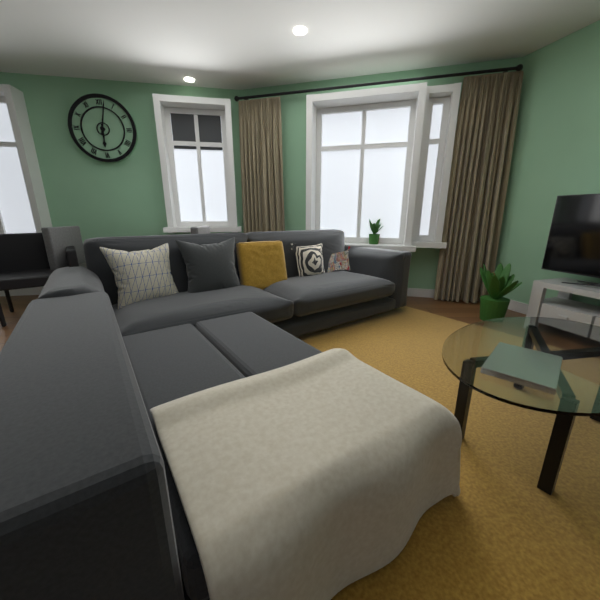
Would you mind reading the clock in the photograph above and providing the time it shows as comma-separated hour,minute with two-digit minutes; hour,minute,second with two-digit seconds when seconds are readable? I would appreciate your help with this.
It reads 6,02
